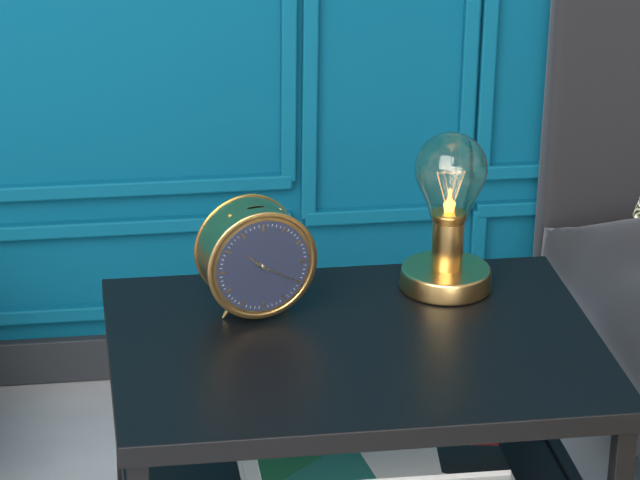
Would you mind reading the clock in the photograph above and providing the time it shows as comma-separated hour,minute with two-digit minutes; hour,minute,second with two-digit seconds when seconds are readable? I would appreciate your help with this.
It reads 10,20
